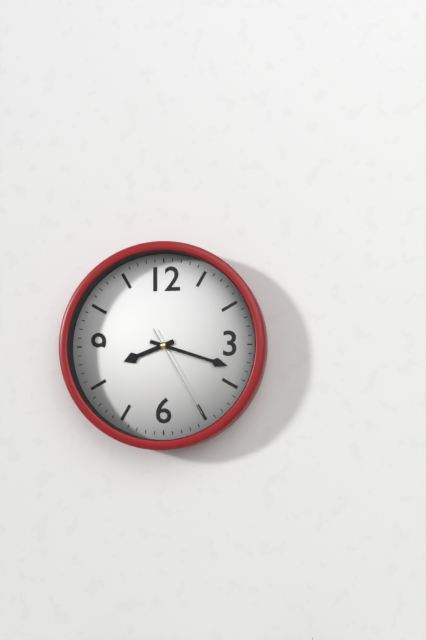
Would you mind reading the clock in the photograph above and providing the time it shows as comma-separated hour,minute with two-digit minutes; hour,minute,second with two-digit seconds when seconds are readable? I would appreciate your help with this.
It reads 8,18,25
